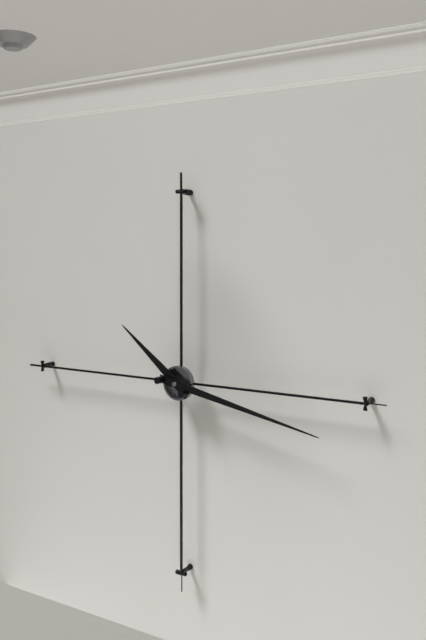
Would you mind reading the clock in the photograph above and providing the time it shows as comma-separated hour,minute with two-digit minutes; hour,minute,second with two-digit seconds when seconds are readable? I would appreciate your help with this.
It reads 10,17
